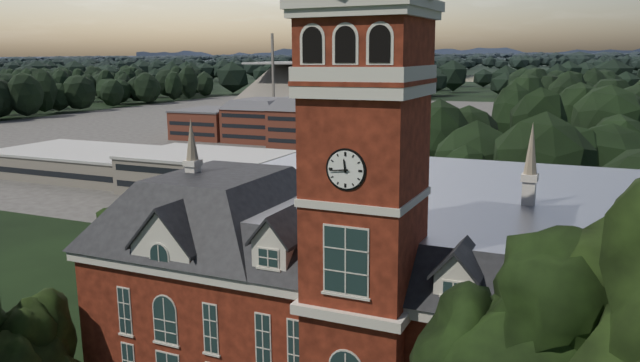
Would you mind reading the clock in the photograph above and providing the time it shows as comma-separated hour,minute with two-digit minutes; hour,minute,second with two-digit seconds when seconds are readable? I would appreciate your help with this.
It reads 11,44
